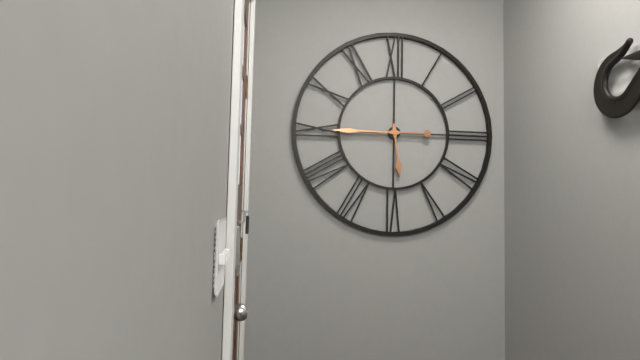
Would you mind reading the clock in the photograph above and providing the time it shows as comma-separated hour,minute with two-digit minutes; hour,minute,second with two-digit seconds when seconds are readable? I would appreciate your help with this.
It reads 5,45
